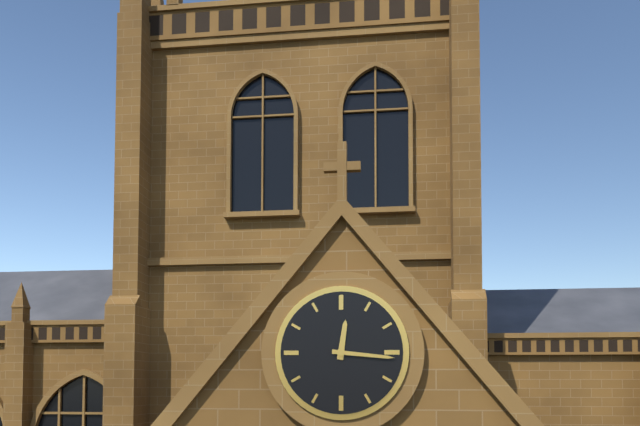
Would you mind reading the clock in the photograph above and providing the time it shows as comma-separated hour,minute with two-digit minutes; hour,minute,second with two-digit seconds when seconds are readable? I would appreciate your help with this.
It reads 12,16
